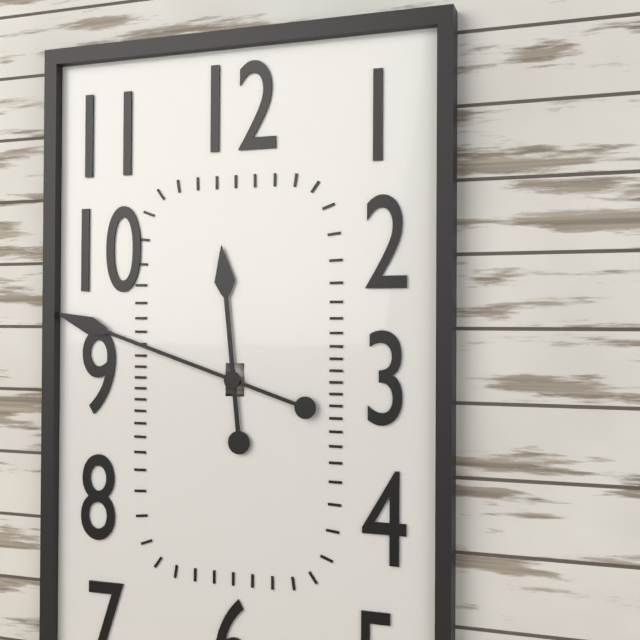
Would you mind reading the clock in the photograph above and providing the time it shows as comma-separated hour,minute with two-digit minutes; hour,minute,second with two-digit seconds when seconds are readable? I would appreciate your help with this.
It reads 11,48
